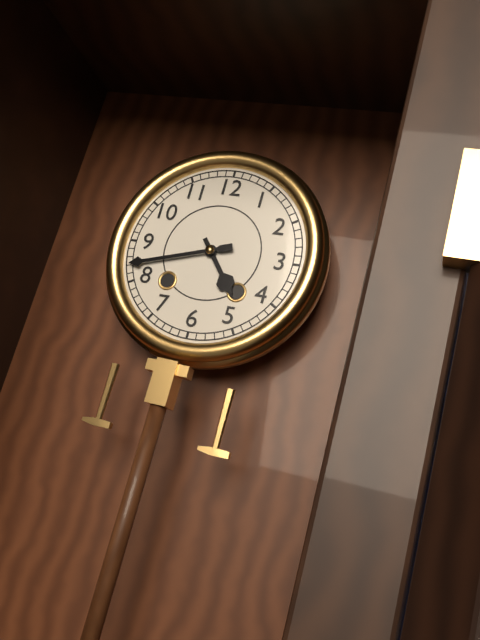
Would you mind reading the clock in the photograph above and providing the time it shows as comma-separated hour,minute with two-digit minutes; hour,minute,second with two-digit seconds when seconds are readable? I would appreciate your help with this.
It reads 4,42
